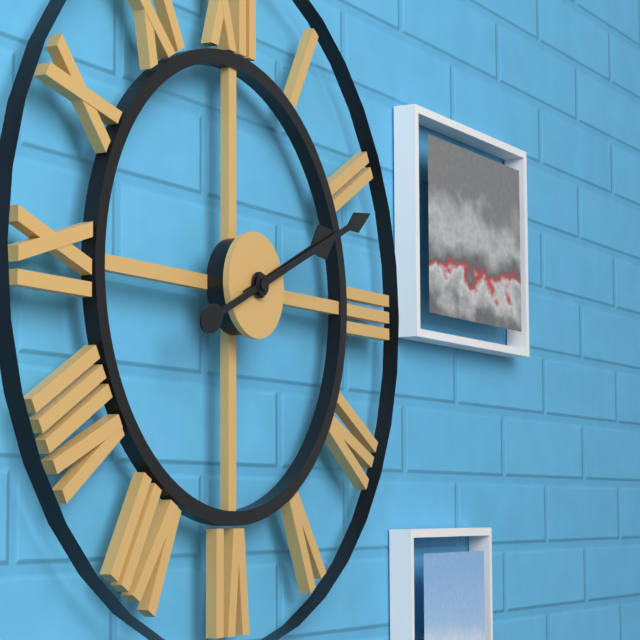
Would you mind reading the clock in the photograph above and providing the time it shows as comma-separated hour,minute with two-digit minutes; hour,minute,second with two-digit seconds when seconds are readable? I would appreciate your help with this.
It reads 2,11
